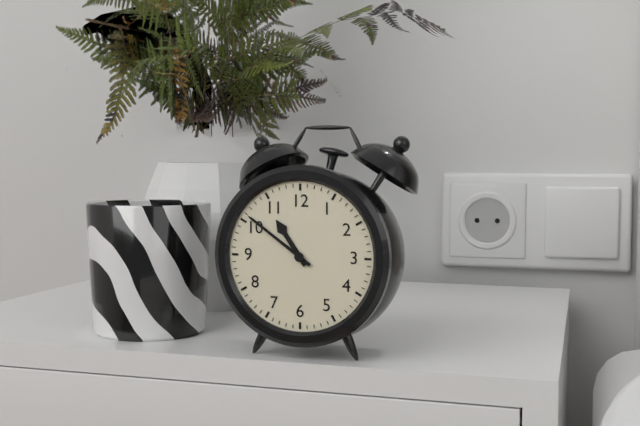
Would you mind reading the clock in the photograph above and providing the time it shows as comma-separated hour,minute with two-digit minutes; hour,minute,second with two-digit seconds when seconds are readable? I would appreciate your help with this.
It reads 10,51
